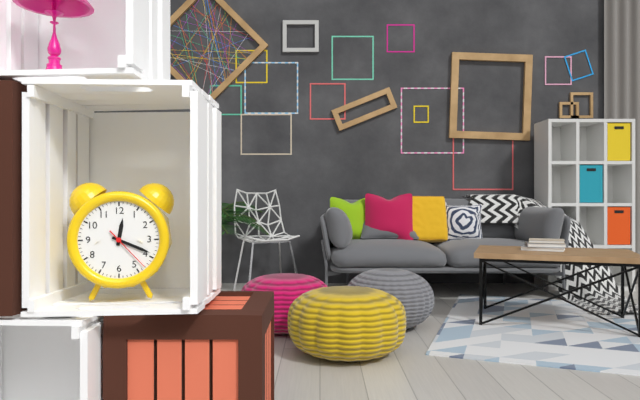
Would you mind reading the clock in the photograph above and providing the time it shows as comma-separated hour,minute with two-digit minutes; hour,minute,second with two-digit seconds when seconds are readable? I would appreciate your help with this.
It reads 12,19
